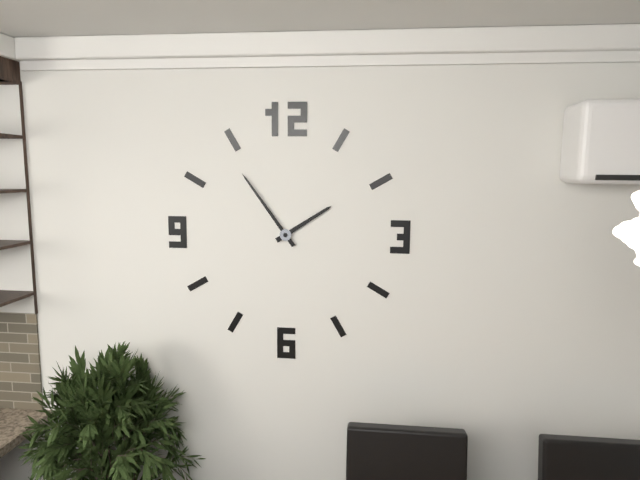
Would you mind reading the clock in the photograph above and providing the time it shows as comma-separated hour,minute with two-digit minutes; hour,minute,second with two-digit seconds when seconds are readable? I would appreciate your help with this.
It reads 1,54
